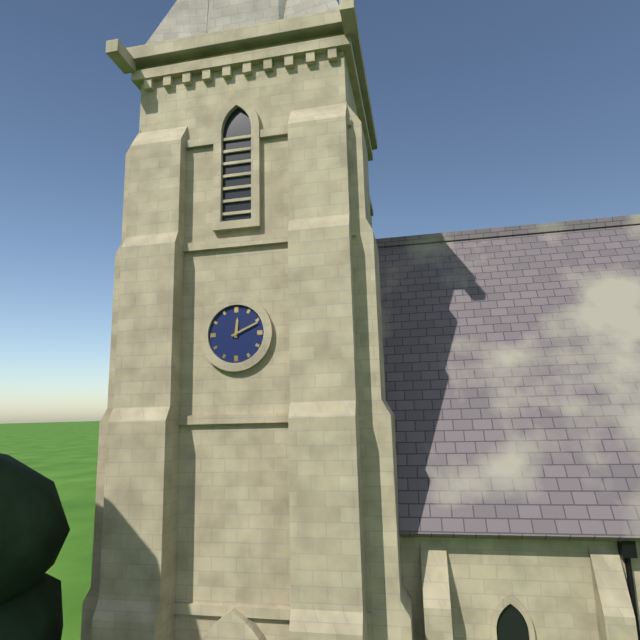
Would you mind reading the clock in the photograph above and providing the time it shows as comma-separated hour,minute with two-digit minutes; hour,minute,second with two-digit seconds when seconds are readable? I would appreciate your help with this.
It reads 12,11
